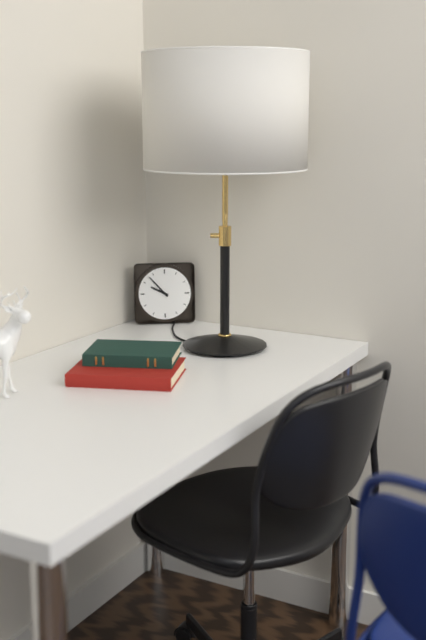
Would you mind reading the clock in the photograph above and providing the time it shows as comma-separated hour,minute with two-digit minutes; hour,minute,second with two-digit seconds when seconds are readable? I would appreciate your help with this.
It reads 9,53
